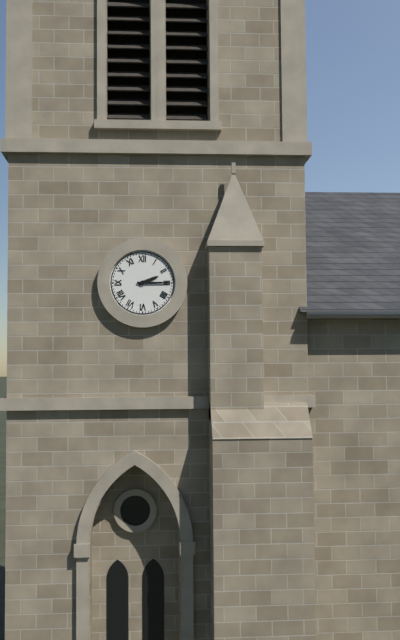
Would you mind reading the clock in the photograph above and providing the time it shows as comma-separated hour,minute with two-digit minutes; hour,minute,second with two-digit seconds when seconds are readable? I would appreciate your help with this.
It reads 2,15
